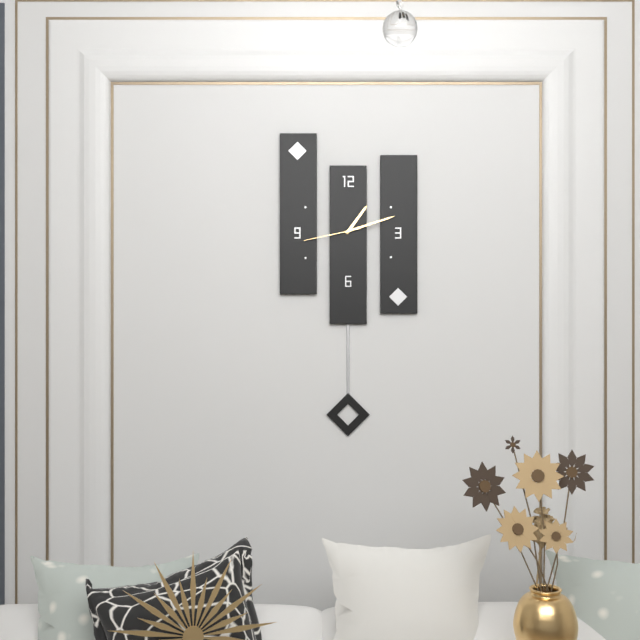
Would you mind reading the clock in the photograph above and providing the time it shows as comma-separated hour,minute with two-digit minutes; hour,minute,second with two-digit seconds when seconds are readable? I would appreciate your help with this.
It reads 1,12,43
